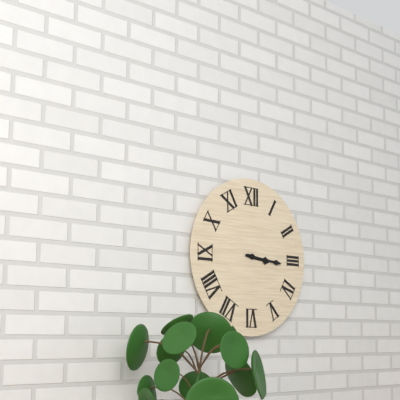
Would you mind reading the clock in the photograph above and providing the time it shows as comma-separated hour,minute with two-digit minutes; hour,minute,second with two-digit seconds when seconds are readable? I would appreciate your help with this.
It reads 3,16
